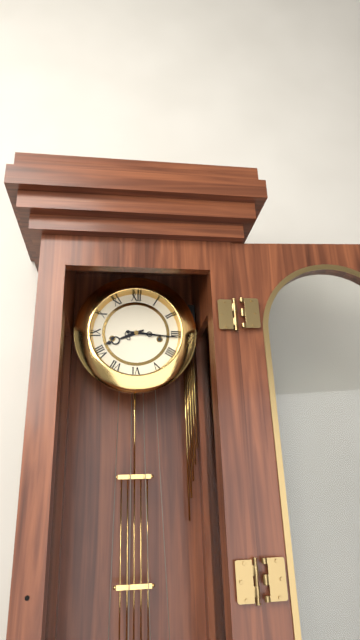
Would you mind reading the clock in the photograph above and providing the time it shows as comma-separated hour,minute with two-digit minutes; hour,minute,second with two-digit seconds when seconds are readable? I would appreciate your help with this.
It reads 8,16
